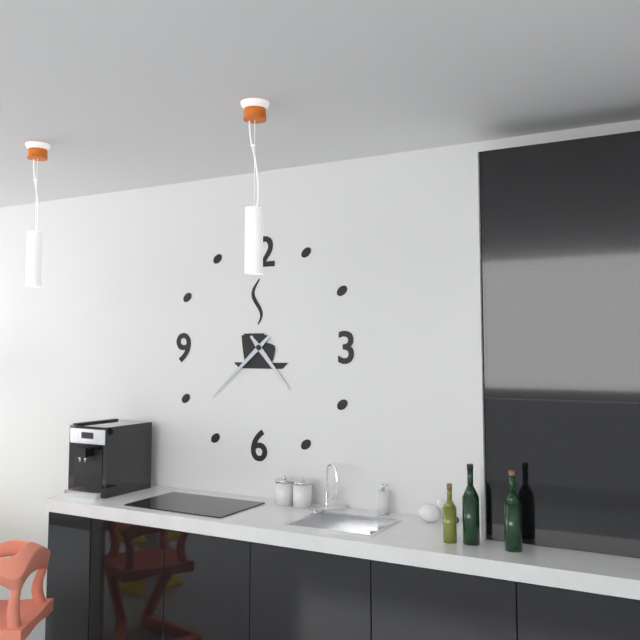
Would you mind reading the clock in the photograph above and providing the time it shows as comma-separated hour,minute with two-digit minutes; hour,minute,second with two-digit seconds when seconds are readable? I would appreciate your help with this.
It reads 4,38
